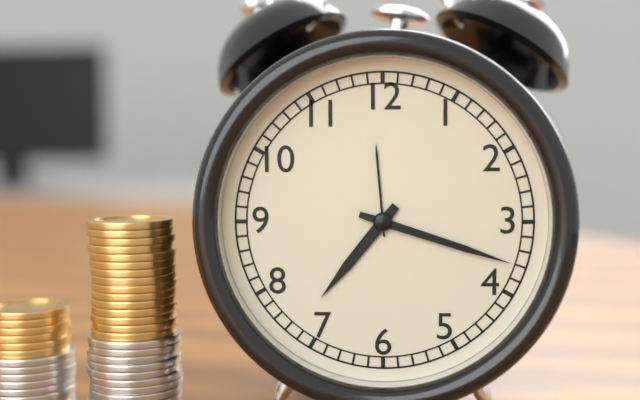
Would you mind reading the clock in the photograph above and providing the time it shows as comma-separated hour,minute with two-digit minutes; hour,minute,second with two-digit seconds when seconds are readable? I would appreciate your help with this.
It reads 7,18
